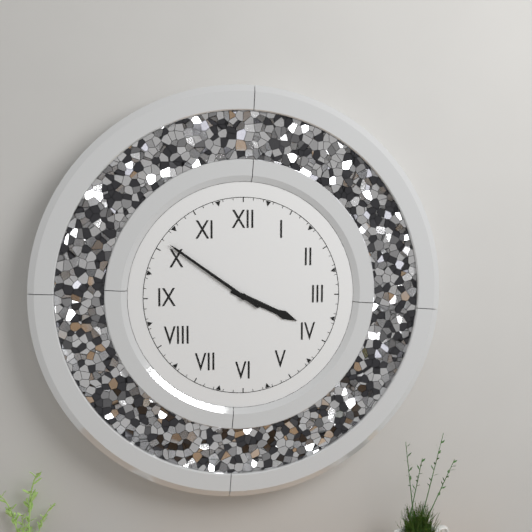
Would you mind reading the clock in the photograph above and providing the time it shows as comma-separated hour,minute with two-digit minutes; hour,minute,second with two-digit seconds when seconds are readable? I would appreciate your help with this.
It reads 3,51
